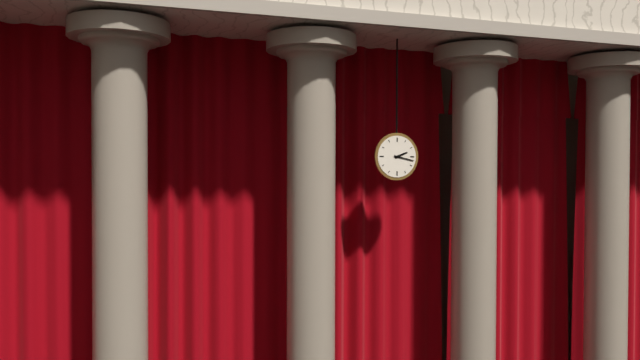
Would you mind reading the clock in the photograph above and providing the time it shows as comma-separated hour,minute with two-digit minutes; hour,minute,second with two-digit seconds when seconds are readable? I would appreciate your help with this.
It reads 2,17
